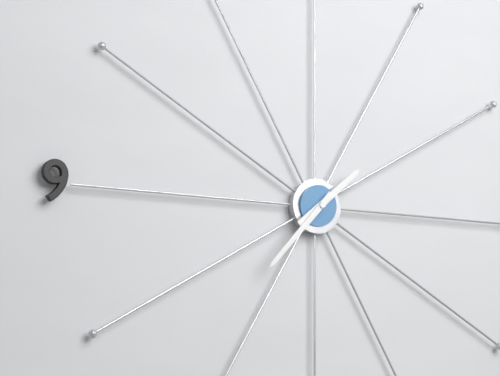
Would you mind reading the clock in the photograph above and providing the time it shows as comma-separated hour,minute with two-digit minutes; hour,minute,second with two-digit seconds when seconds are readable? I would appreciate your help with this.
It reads 1,37
